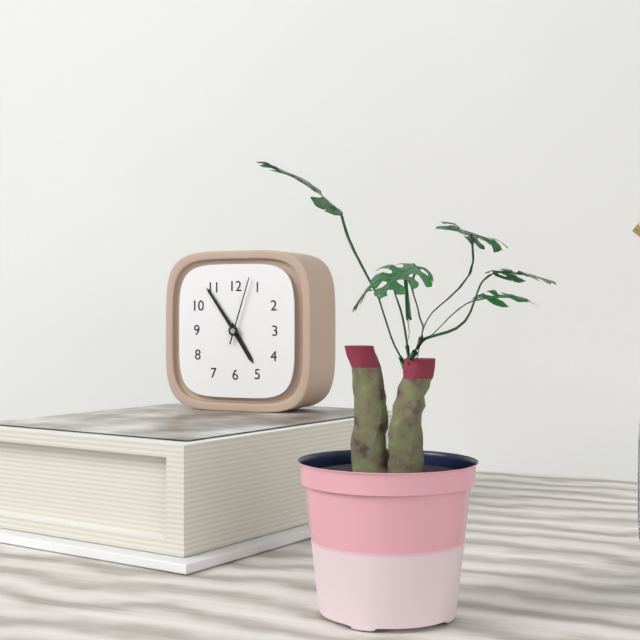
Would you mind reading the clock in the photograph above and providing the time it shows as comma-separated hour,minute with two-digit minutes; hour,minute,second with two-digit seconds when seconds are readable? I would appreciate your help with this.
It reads 4,54,03
